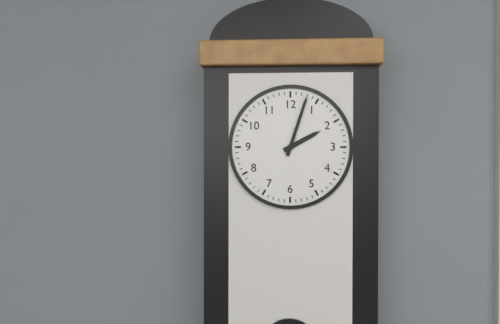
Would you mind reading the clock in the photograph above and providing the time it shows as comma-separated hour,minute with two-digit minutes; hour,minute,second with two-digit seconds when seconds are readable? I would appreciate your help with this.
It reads 2,03
